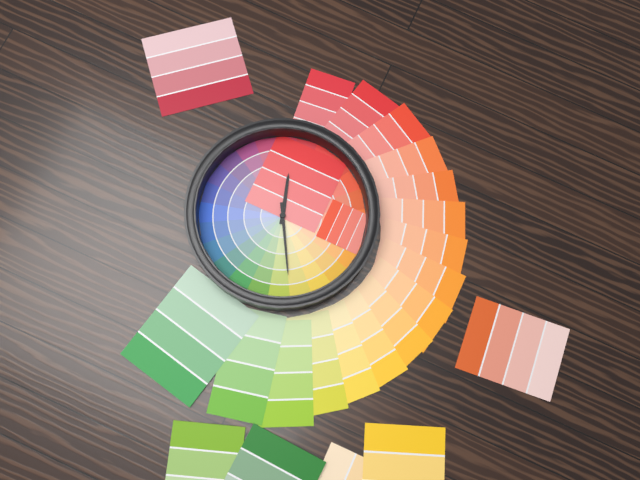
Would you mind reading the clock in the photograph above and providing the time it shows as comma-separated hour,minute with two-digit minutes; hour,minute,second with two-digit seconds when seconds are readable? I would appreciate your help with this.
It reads 11,25
